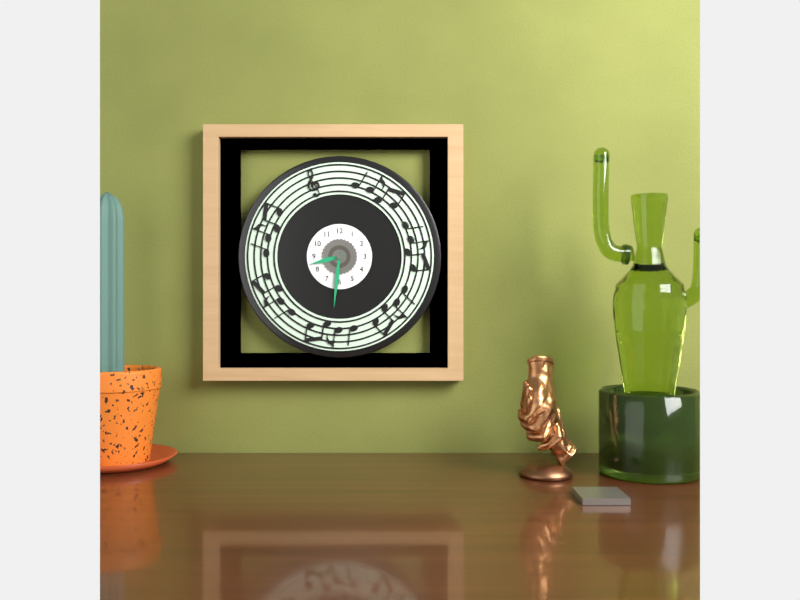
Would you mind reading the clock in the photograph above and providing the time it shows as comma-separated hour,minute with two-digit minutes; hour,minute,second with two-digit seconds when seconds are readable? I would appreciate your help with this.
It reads 8,31
